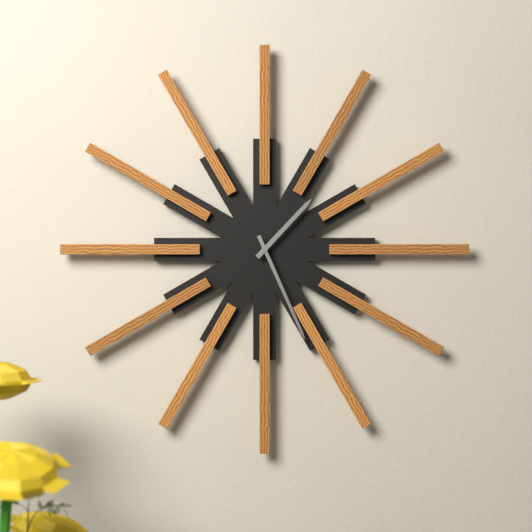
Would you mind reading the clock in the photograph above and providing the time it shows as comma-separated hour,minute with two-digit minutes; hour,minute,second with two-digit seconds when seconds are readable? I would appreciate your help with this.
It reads 1,26
